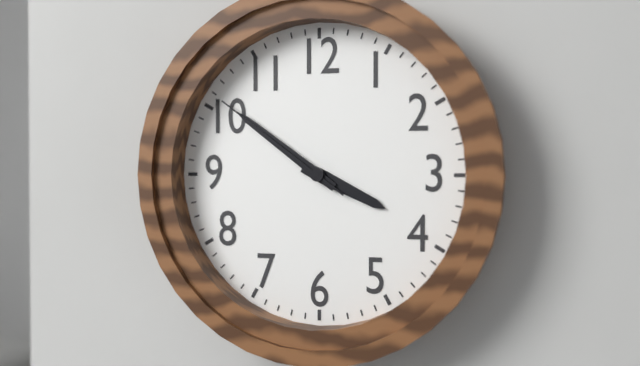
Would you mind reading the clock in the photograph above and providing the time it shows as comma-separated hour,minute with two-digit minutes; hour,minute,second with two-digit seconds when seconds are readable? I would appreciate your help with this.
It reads 3,51,51
